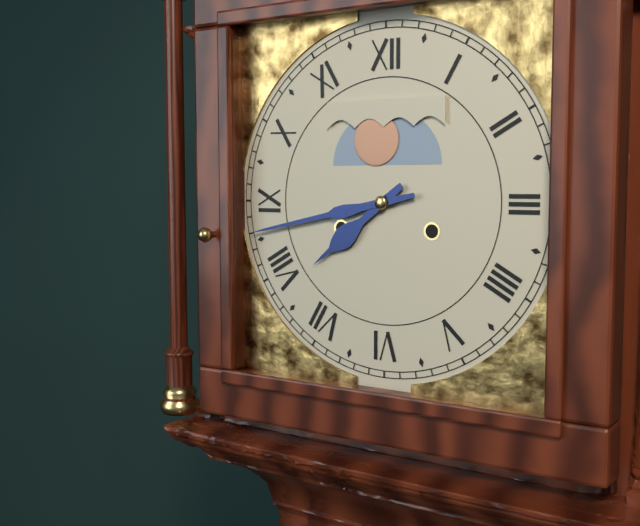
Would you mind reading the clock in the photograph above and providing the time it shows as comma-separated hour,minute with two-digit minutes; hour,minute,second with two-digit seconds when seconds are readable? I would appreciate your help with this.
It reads 7,43
